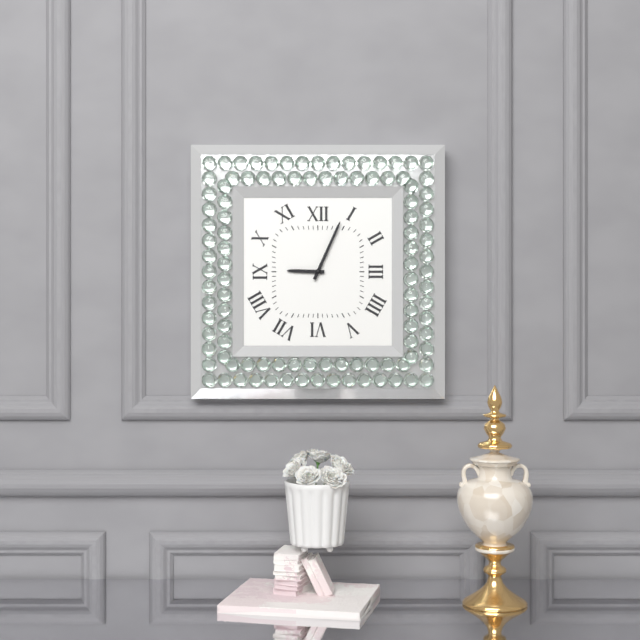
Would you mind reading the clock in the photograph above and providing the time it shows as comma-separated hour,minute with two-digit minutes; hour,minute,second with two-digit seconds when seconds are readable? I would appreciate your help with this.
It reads 9,04
